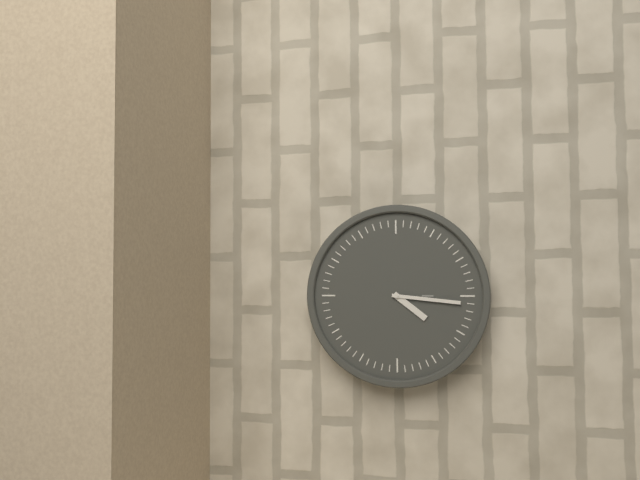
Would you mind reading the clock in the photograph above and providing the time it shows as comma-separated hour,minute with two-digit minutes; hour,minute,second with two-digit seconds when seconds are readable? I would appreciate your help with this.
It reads 4,16
